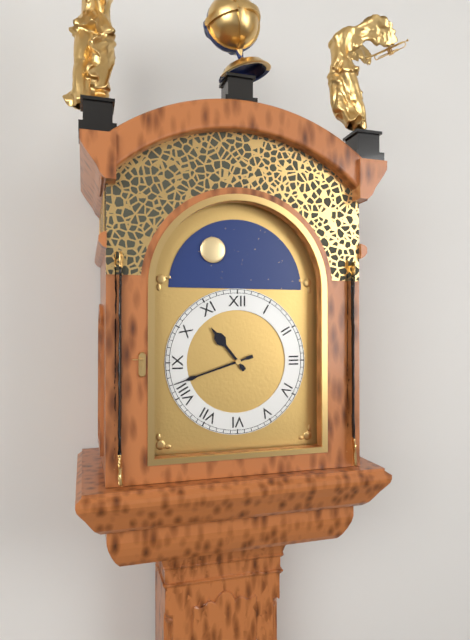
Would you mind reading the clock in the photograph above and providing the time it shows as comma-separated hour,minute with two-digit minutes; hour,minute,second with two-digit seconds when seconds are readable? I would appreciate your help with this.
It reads 10,42
